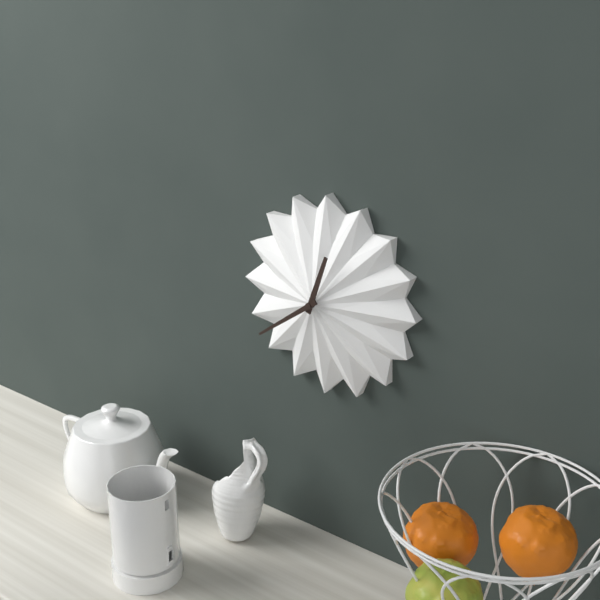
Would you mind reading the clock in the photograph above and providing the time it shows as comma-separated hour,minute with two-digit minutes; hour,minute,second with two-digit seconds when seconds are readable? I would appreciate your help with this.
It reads 12,39
